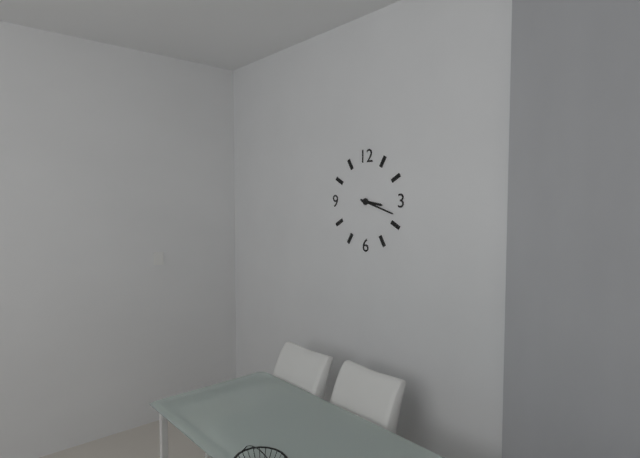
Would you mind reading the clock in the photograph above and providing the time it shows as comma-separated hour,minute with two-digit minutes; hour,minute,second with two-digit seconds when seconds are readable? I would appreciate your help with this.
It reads 3,18
